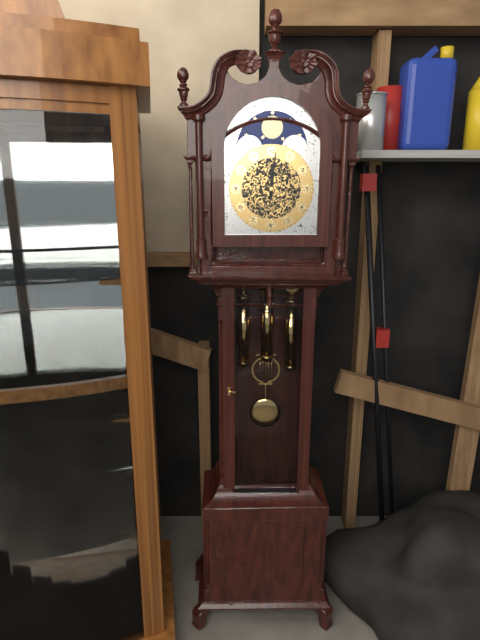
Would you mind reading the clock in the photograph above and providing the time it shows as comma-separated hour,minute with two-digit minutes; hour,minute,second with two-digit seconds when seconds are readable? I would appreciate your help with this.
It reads 12,01
